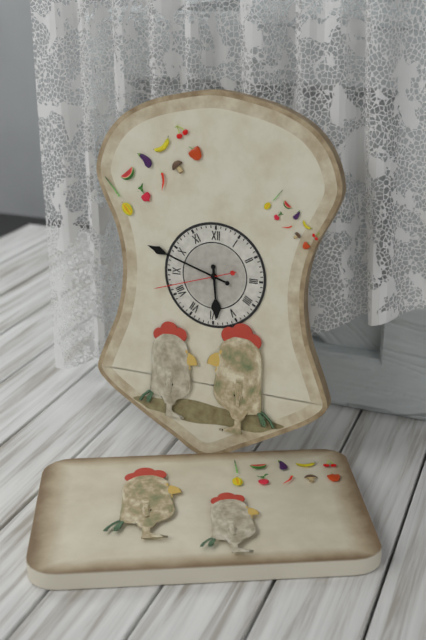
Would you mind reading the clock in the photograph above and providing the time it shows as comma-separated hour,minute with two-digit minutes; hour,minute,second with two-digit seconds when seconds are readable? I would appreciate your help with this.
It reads 5,48,42
